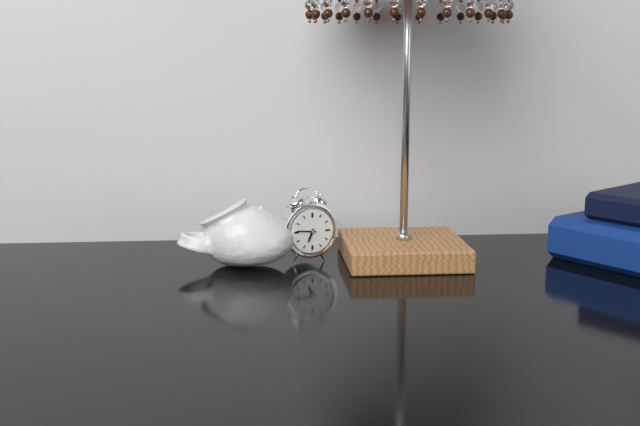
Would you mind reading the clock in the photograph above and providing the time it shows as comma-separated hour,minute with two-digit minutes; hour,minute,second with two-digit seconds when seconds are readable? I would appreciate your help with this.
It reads 6,46
